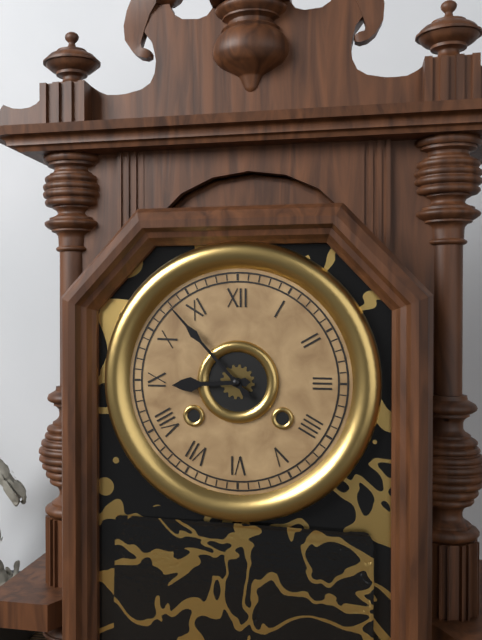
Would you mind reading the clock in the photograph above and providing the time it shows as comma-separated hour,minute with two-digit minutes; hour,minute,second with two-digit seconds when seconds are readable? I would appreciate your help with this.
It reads 8,53
